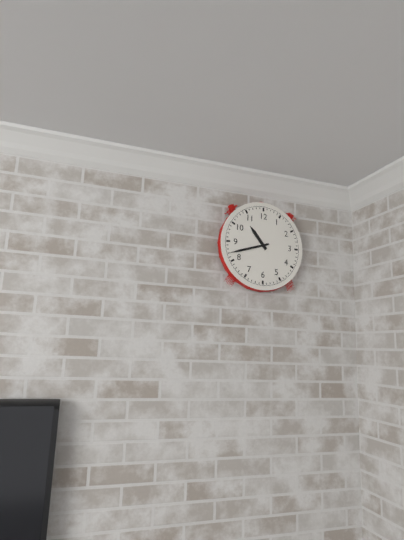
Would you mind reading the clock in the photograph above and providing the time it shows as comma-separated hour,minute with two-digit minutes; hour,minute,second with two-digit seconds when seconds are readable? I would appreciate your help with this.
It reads 10,42
